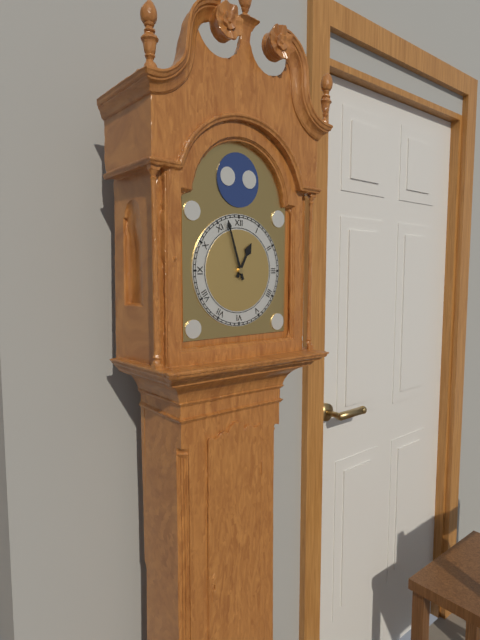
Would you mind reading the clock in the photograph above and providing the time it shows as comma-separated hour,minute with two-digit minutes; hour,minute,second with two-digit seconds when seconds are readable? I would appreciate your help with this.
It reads 12,57
